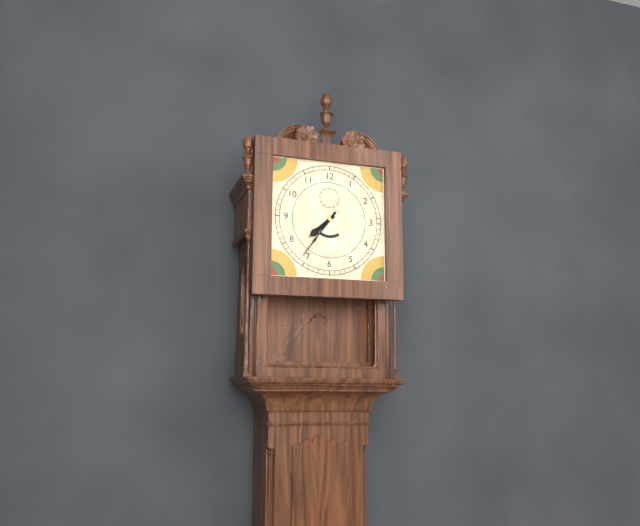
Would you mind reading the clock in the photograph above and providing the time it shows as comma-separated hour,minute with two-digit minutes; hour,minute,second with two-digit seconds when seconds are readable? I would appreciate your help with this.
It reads 7,36
